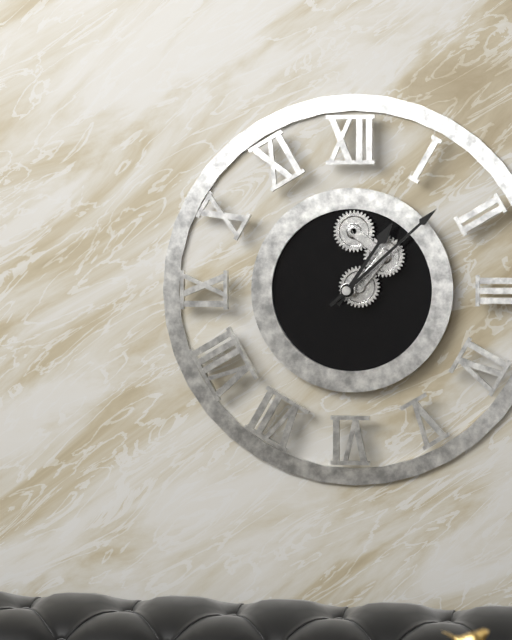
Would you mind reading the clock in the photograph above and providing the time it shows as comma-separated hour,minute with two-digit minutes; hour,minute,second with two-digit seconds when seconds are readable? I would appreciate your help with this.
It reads 1,08
